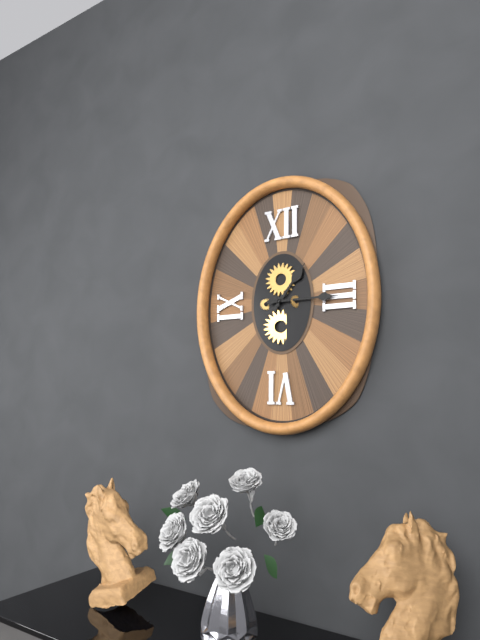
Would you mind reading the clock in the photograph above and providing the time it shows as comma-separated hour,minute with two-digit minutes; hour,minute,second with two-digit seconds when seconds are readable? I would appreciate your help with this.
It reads 1,15
